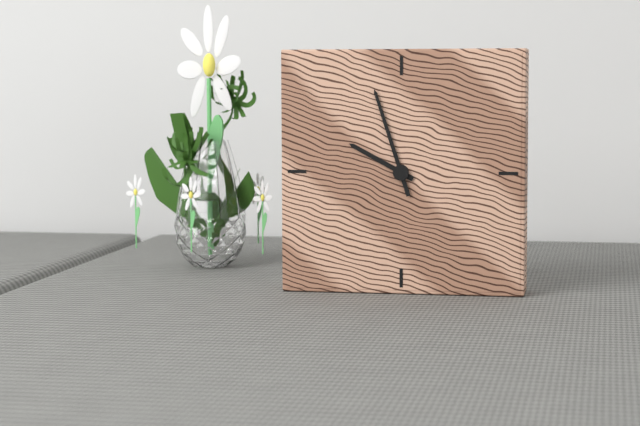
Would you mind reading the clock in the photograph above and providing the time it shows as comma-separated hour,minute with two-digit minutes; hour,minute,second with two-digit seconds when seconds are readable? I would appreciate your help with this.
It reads 9,57
